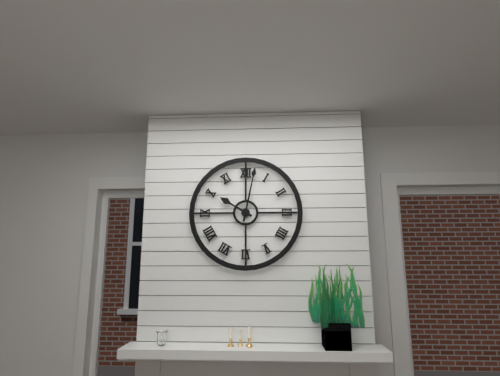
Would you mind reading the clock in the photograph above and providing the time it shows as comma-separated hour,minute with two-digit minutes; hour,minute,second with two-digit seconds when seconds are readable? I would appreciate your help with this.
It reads 10,02
